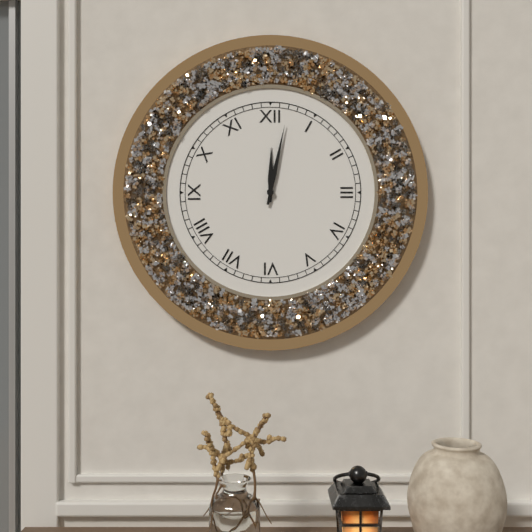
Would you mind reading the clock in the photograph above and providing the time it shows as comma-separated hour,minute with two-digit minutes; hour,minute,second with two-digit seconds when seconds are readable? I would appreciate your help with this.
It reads 12,02
